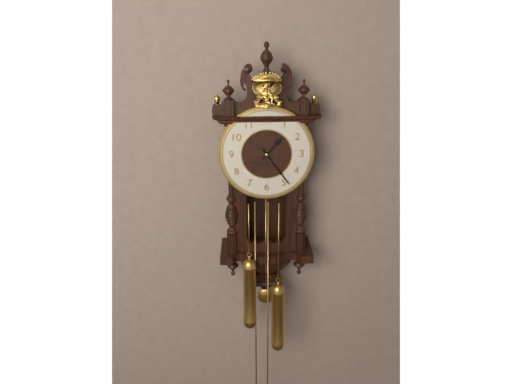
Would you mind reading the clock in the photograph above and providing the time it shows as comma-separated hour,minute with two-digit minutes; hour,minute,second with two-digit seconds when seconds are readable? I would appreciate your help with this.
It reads 1,24
